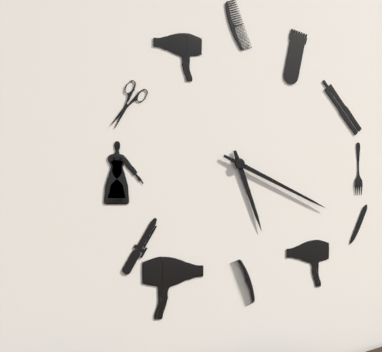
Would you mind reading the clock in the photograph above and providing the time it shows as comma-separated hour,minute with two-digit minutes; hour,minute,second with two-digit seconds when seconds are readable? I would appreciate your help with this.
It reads 5,19
